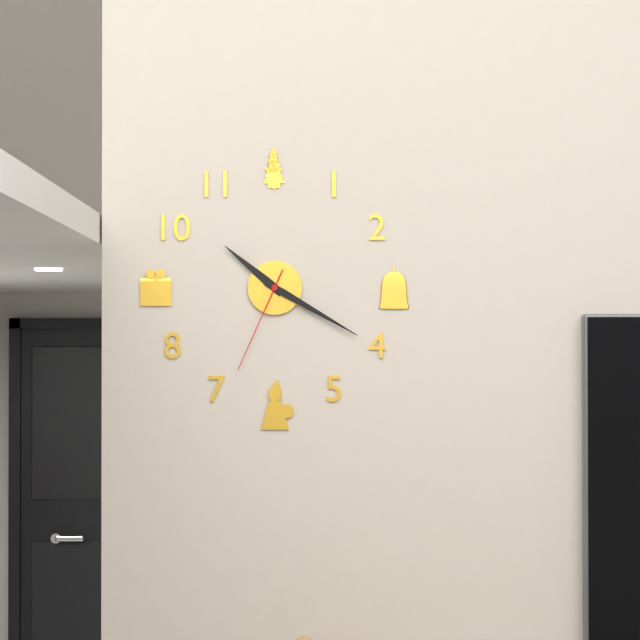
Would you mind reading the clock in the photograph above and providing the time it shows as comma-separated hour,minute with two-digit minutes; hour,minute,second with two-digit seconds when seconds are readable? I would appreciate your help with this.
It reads 10,20,34
